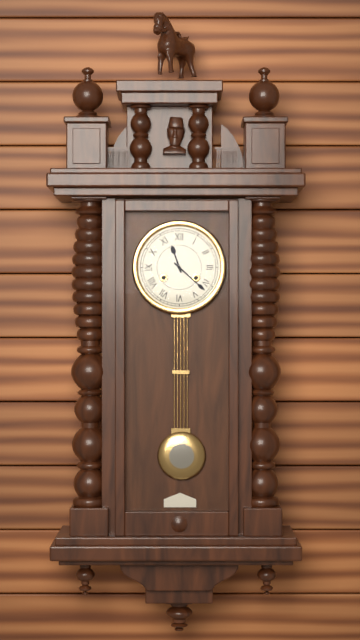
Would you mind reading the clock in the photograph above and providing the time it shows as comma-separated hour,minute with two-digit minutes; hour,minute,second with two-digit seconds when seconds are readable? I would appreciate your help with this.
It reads 11,22
